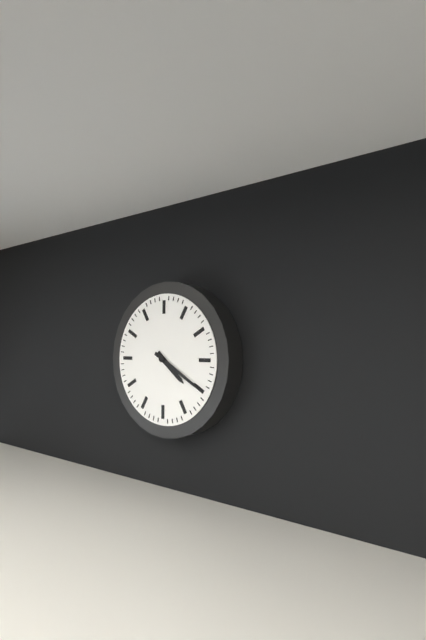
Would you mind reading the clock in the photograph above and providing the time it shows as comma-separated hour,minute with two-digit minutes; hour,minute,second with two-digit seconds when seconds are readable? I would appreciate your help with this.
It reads 4,20
